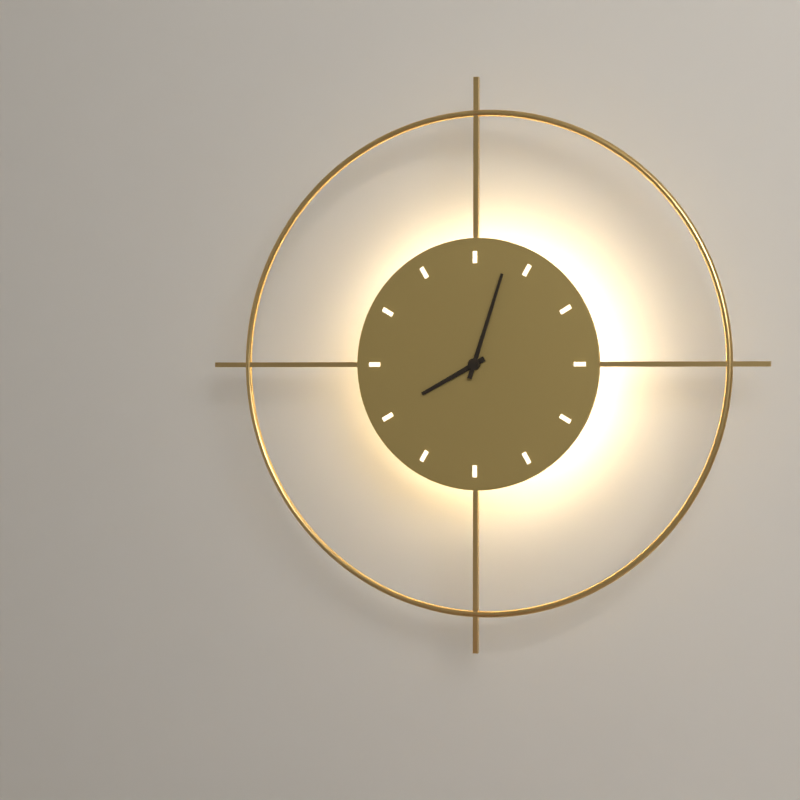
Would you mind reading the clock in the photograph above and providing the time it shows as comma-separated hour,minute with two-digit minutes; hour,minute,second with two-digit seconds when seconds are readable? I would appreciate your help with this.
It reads 8,03
